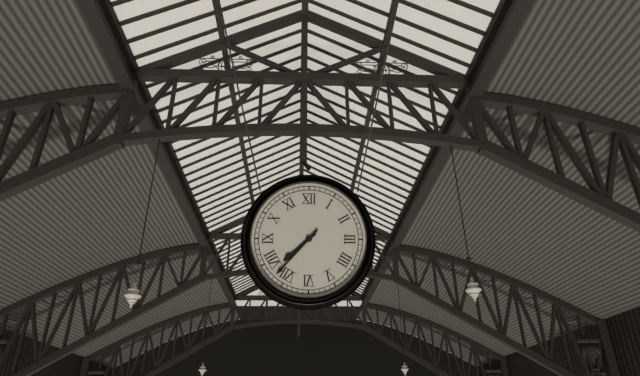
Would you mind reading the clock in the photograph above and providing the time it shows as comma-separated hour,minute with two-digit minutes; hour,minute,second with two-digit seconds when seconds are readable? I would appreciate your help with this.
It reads 7,37
